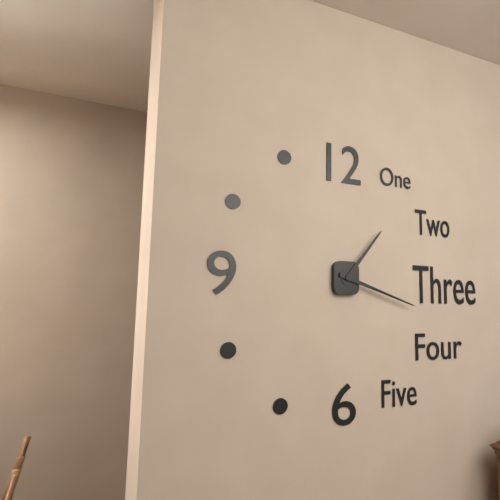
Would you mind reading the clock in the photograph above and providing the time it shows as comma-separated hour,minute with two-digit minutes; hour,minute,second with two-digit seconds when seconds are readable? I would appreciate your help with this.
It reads 1,18
